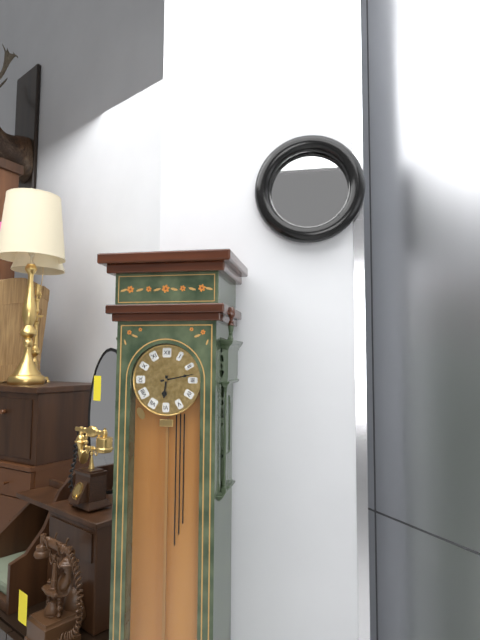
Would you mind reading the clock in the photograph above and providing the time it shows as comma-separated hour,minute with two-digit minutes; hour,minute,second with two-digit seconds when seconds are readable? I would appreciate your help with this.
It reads 6,13
